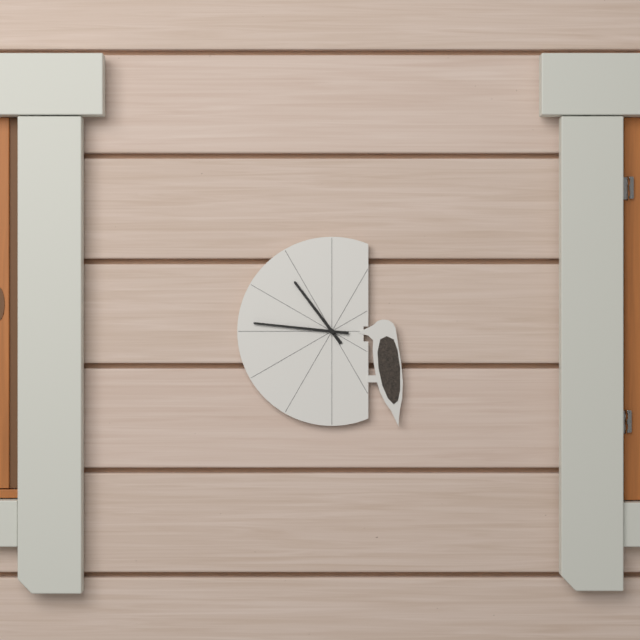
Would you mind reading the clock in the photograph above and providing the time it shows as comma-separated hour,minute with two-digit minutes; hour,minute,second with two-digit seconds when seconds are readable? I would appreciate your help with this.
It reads 10,46
